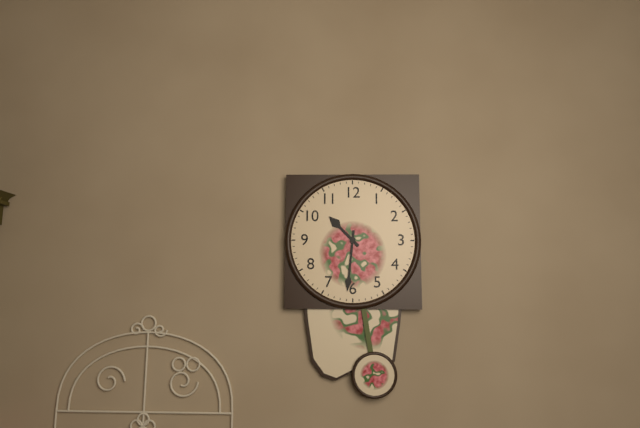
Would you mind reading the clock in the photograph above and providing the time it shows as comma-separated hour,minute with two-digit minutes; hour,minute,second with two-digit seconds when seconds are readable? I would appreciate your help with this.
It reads 10,31
